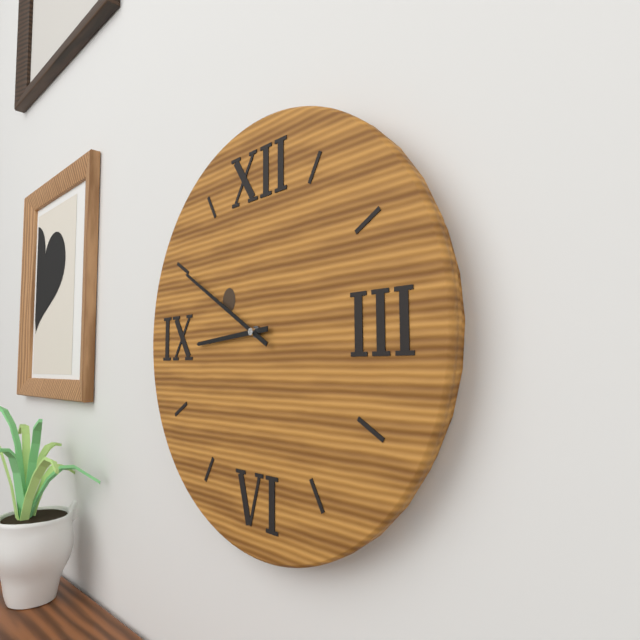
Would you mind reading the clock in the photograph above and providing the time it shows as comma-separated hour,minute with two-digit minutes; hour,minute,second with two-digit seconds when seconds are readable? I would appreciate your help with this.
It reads 8,50
